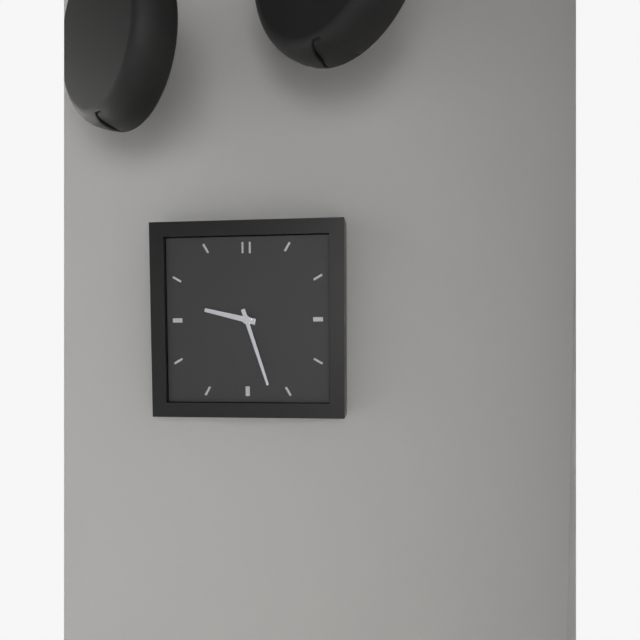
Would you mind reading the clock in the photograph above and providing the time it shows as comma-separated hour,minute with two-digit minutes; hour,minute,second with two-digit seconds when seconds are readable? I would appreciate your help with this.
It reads 9,27
